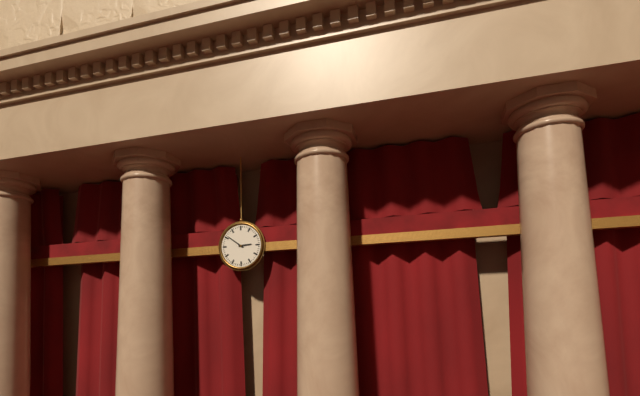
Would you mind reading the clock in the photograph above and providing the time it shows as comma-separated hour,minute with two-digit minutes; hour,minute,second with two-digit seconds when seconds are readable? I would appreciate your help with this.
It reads 2,51
